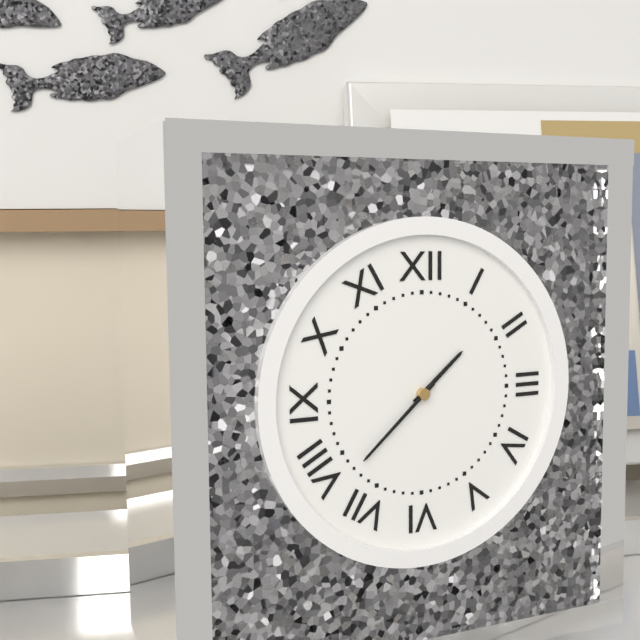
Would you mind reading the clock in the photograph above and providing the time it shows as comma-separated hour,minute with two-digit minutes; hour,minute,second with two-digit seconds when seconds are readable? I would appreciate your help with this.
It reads 1,38
